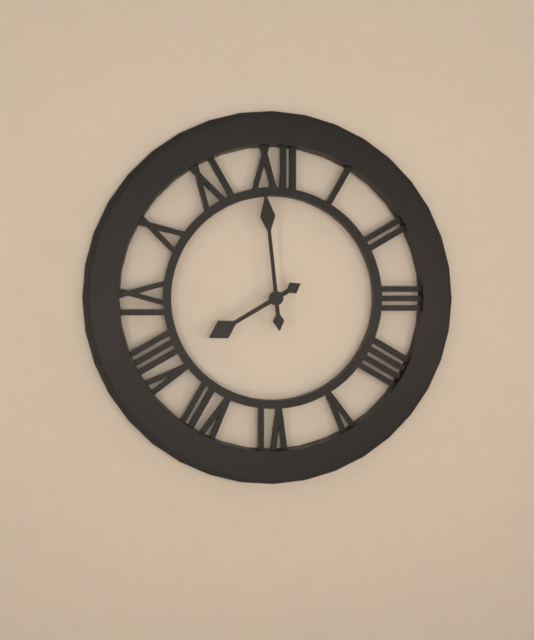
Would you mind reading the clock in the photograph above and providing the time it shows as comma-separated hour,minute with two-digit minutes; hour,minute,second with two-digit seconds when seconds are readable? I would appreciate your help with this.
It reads 7,59
